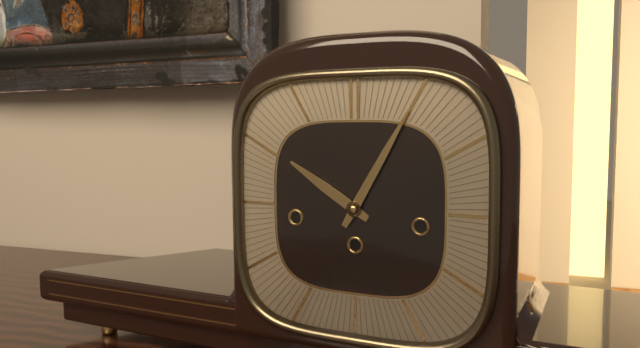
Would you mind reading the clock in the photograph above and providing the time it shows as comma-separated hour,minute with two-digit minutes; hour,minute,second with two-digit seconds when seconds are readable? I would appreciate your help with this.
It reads 10,05
